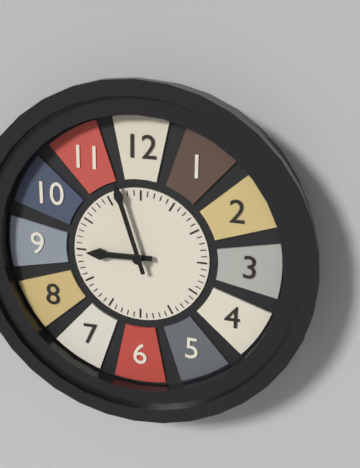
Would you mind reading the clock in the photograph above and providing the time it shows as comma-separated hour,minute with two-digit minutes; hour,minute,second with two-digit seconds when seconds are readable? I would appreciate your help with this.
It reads 8,57
